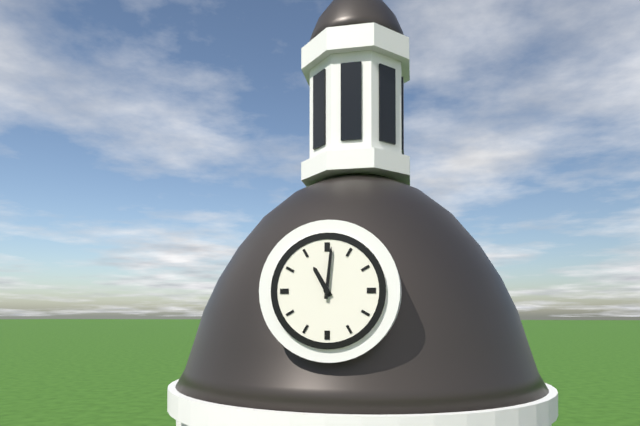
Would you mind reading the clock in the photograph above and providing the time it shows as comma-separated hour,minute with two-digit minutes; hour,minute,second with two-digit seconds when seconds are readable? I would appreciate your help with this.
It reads 11,01
